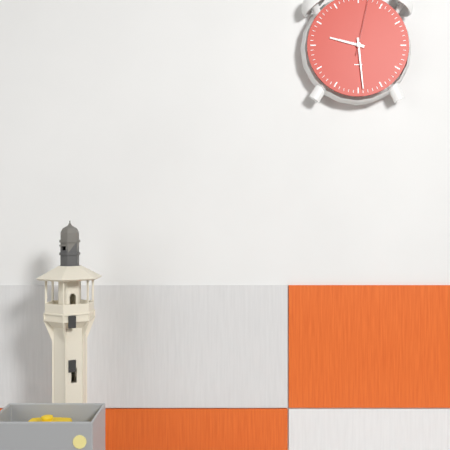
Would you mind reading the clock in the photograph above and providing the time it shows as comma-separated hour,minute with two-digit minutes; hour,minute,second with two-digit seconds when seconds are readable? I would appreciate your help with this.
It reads 9,29
